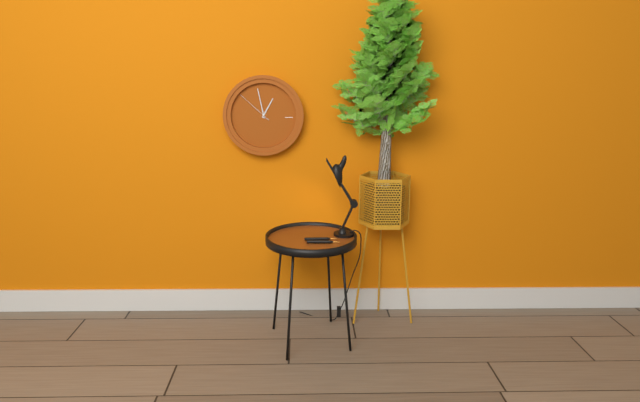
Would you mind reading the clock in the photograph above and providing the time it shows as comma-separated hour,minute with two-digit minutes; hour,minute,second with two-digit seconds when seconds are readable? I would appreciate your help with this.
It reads 12,58
